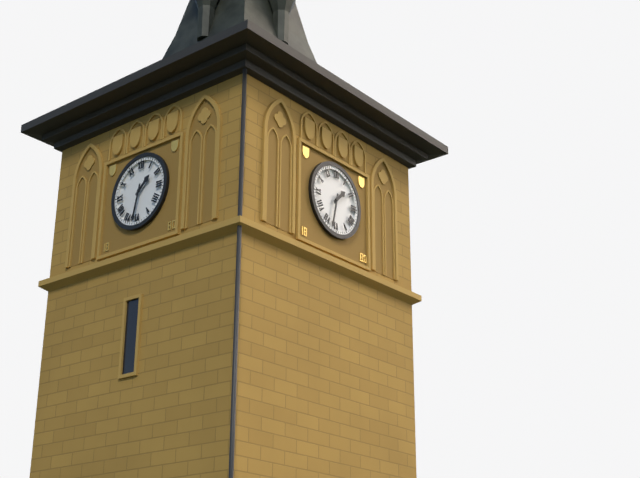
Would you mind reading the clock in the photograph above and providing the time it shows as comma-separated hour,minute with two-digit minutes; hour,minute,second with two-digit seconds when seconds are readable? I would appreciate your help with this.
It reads 1,32
